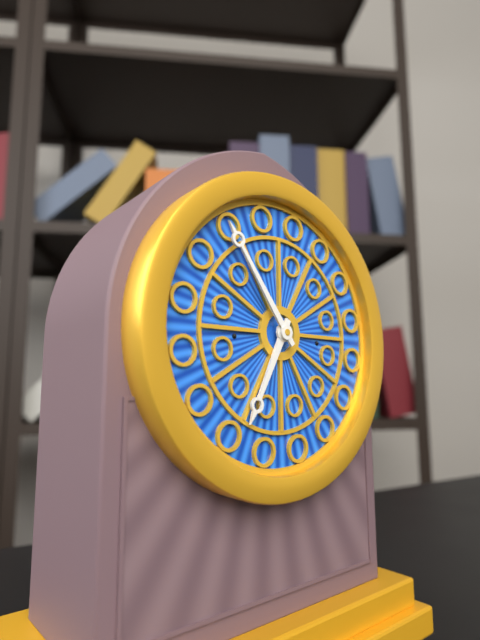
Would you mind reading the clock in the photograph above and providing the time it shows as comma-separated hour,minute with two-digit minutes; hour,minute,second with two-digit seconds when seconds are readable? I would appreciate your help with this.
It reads 6,54
